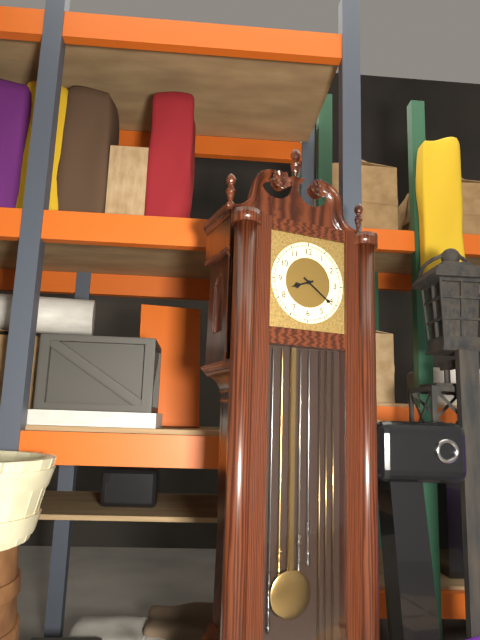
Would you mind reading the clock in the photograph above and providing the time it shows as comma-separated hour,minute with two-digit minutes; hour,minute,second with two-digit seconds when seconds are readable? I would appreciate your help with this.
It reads 8,21
